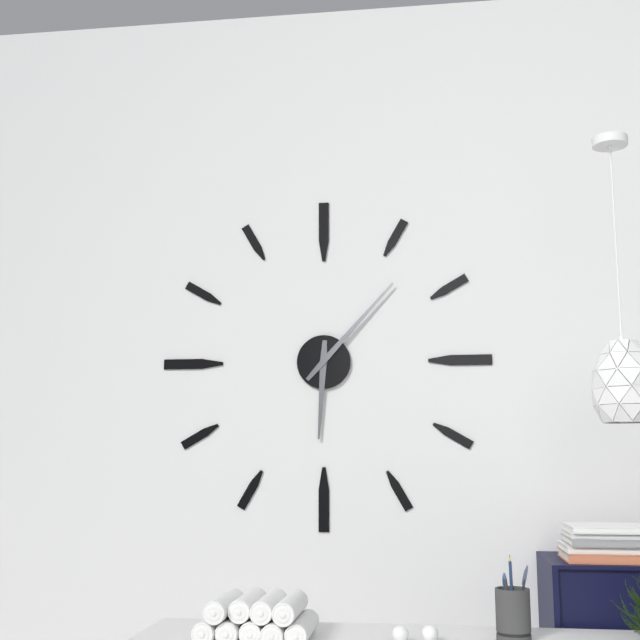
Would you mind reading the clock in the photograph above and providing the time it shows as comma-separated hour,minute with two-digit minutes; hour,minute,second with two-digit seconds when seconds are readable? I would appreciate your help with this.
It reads 6,07
